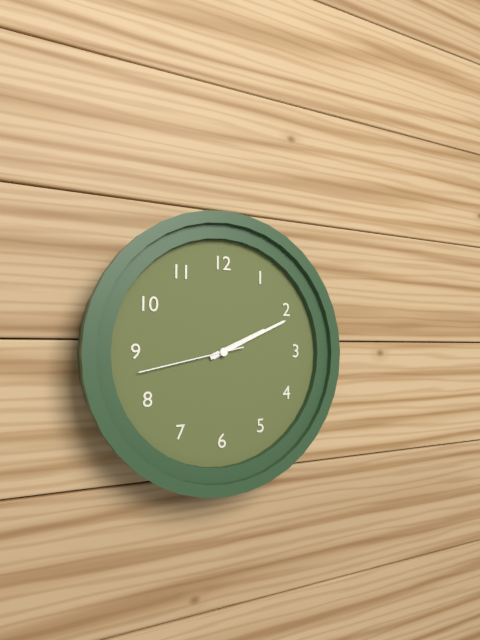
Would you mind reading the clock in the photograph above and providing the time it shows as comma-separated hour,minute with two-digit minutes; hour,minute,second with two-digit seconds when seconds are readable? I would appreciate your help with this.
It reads 2,11,43
